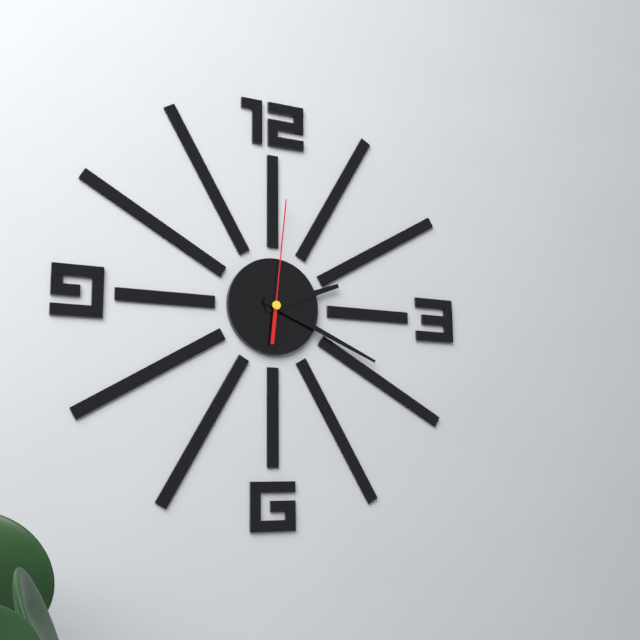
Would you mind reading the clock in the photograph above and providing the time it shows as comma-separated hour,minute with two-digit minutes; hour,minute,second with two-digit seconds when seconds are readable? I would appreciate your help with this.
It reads 2,19,01
